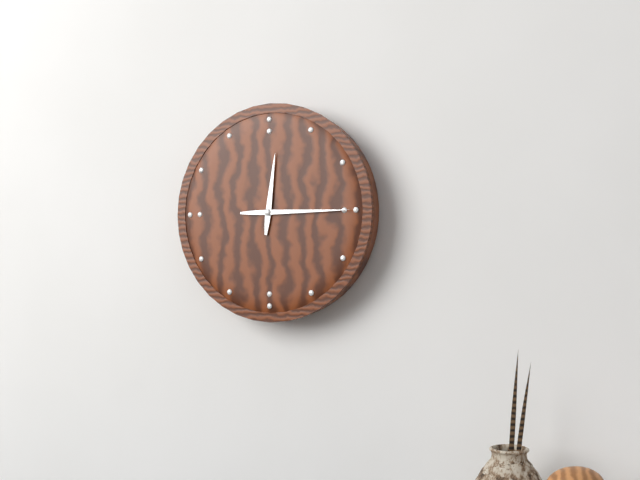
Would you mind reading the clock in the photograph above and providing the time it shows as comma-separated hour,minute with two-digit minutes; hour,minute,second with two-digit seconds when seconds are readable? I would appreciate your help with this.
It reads 12,15
